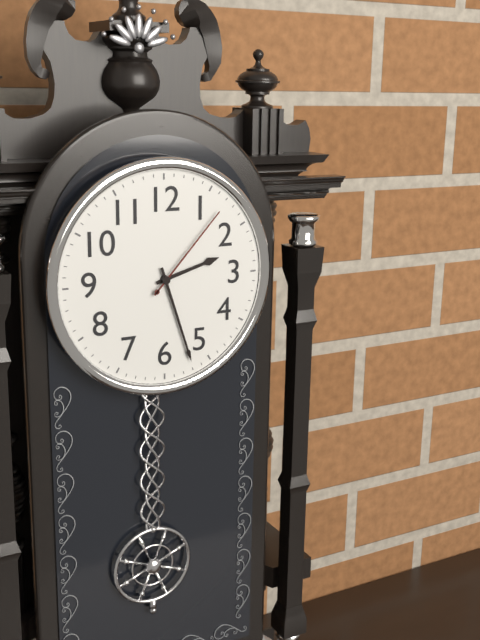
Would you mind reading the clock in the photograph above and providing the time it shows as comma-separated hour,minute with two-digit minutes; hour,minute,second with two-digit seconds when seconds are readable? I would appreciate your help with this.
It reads 2,27,07
